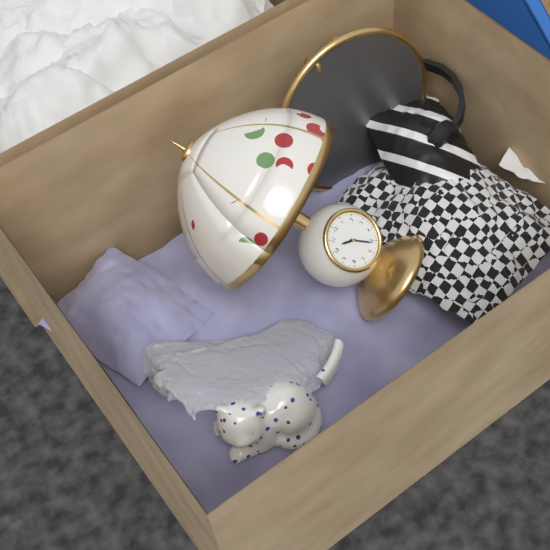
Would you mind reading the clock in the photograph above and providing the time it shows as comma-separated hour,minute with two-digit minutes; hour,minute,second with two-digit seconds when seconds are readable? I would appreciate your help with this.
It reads 10,26
